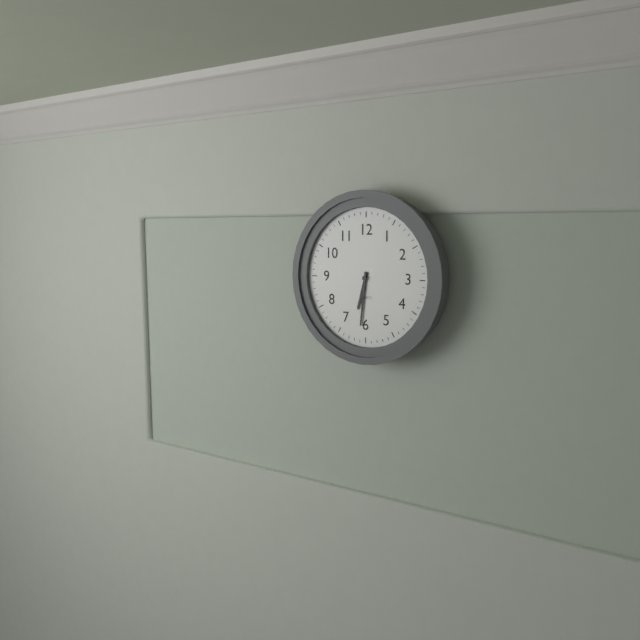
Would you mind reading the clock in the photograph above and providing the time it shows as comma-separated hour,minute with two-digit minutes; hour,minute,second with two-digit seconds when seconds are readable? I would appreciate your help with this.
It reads 6,31
